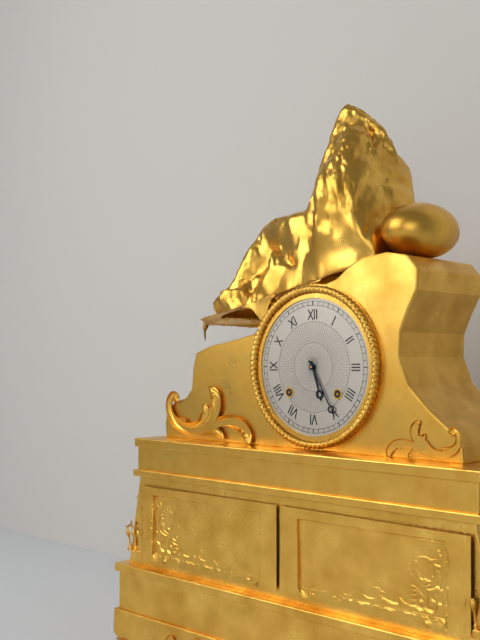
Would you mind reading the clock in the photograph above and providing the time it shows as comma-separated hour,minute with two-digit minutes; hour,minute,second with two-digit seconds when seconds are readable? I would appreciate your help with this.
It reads 5,25
